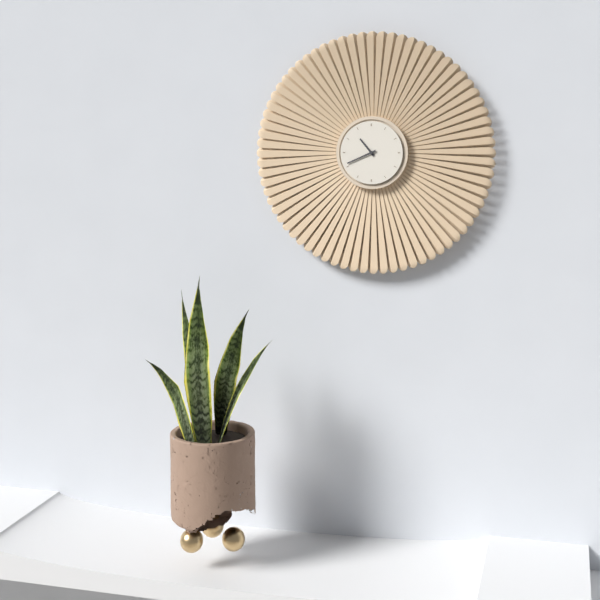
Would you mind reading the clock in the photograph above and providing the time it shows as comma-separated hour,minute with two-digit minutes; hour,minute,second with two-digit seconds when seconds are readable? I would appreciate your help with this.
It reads 10,41
